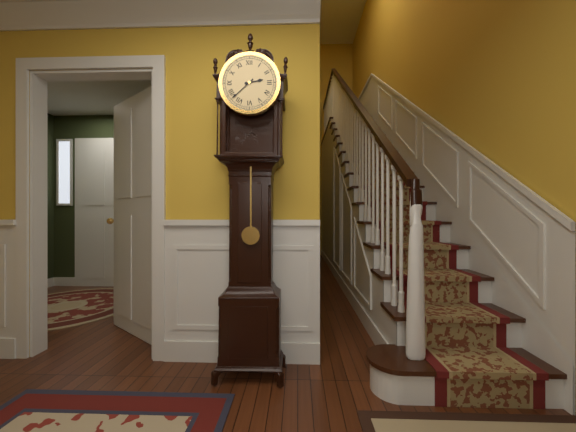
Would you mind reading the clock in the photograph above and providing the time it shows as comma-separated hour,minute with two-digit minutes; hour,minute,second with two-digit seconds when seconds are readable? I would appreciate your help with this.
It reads 2,38
